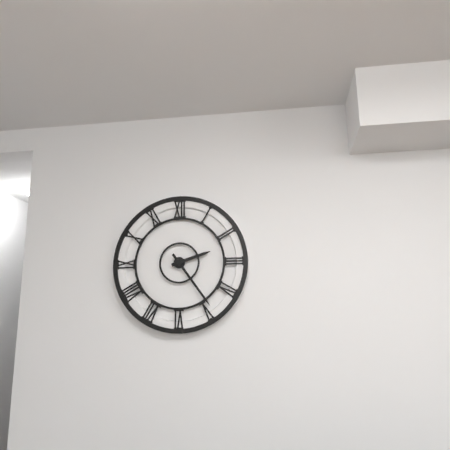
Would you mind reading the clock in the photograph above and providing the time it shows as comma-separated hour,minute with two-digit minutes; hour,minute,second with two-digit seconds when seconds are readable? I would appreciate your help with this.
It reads 2,24
